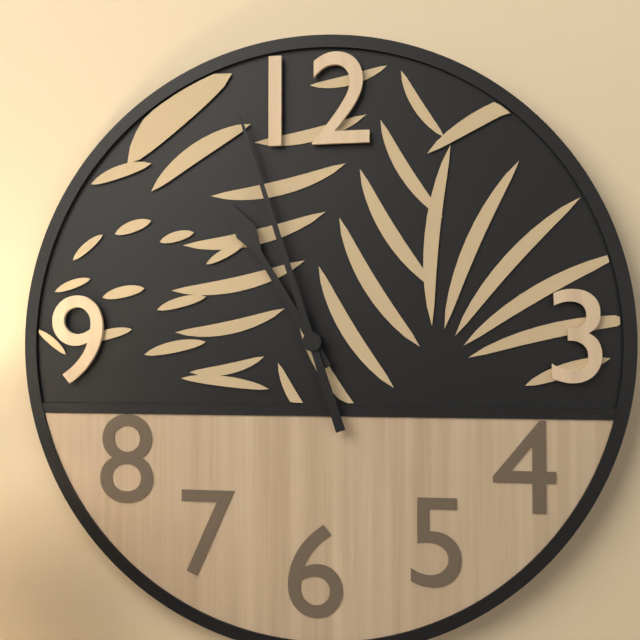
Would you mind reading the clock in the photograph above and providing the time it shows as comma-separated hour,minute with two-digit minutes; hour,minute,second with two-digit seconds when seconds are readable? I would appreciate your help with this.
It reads 10,57
